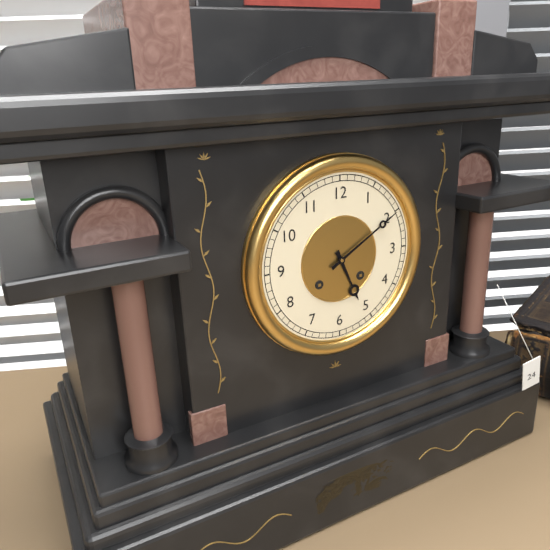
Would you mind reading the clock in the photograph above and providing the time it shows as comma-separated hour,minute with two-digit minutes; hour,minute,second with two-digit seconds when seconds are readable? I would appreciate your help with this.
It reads 5,10
